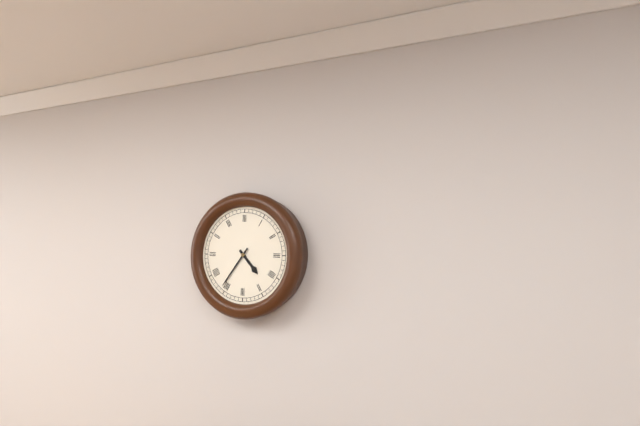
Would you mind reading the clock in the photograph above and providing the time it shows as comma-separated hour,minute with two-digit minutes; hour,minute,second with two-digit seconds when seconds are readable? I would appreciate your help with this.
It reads 4,36
